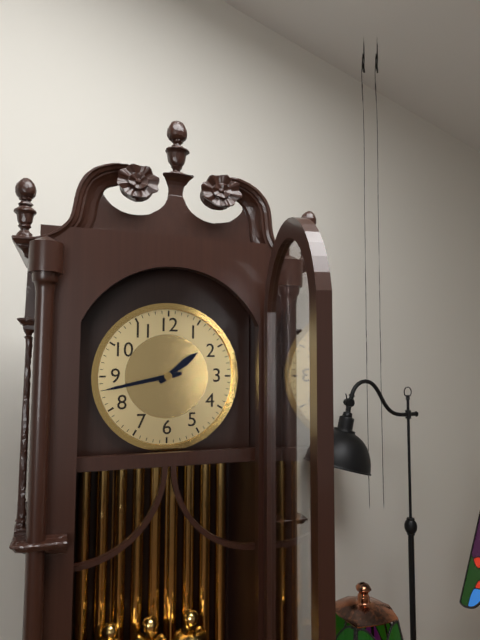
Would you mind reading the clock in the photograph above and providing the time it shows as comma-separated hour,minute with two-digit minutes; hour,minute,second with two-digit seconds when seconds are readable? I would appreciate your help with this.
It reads 1,43
